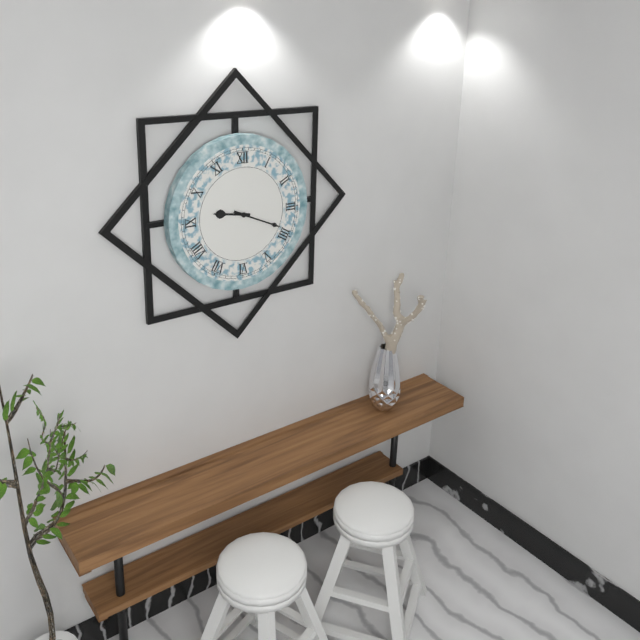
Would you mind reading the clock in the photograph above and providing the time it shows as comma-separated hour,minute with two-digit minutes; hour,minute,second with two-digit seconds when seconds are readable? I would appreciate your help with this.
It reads 9,19
